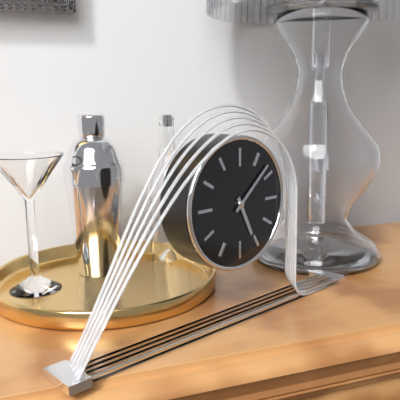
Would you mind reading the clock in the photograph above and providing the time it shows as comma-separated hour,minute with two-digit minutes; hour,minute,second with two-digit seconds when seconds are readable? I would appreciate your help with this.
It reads 5,08
